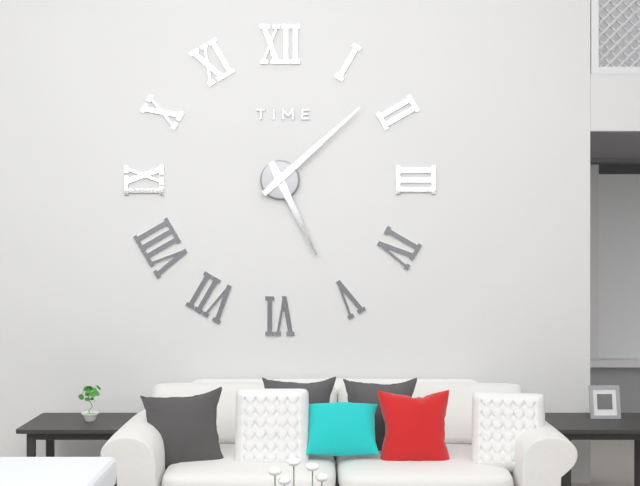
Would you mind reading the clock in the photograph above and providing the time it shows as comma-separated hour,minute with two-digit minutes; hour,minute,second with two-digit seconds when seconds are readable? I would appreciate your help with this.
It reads 5,08
